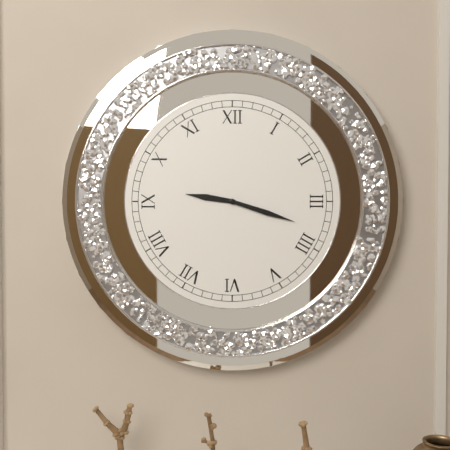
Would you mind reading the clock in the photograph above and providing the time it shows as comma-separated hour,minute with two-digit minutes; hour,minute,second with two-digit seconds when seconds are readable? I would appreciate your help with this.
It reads 9,18
